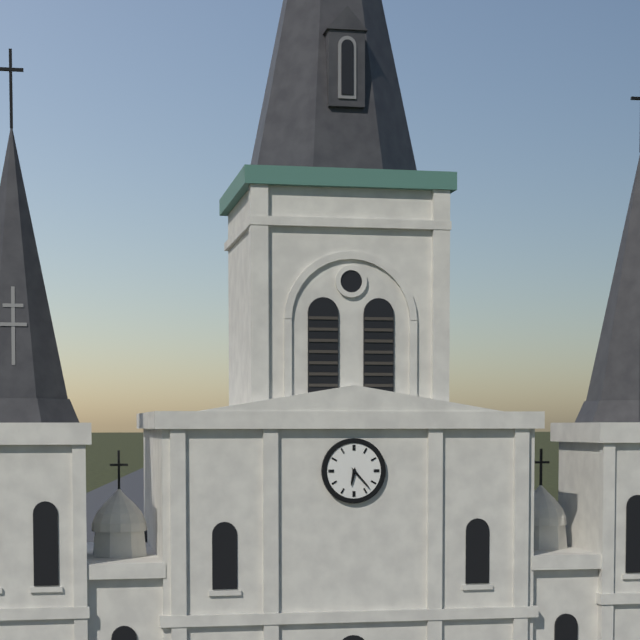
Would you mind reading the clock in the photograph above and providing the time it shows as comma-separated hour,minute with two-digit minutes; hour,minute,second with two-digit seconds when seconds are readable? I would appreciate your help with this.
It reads 6,23
